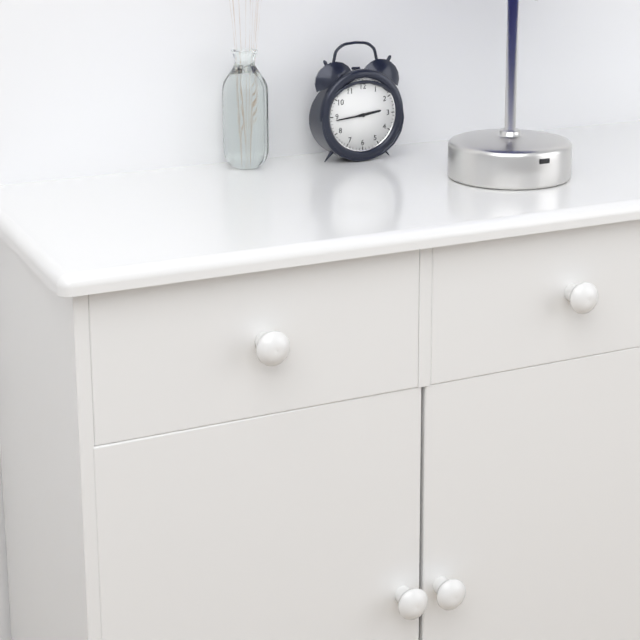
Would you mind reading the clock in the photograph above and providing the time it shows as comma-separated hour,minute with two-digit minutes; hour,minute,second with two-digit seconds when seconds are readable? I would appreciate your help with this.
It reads 2,44
